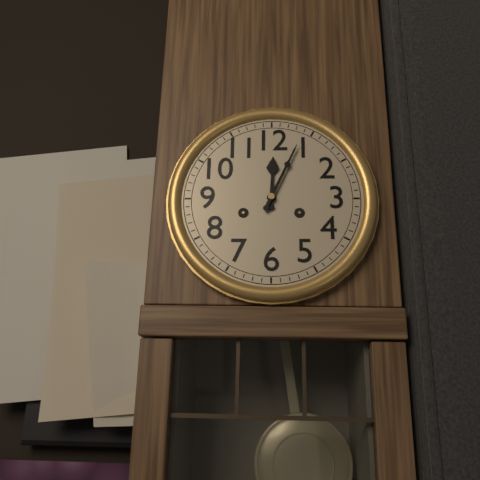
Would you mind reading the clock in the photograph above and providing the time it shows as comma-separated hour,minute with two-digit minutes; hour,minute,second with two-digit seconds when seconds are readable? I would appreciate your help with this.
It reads 12,04
